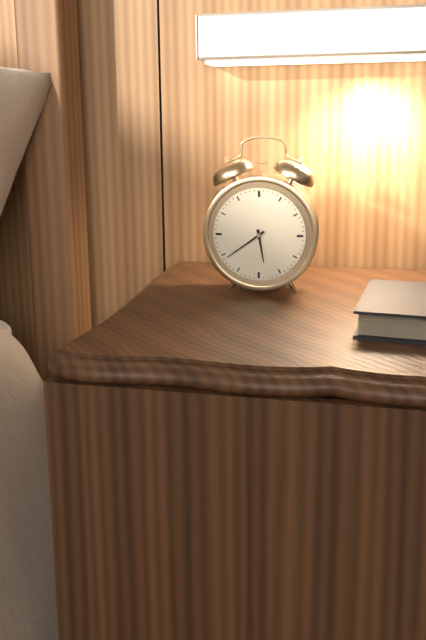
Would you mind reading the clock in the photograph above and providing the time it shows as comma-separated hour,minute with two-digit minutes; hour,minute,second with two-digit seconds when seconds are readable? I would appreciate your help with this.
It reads 5,39
